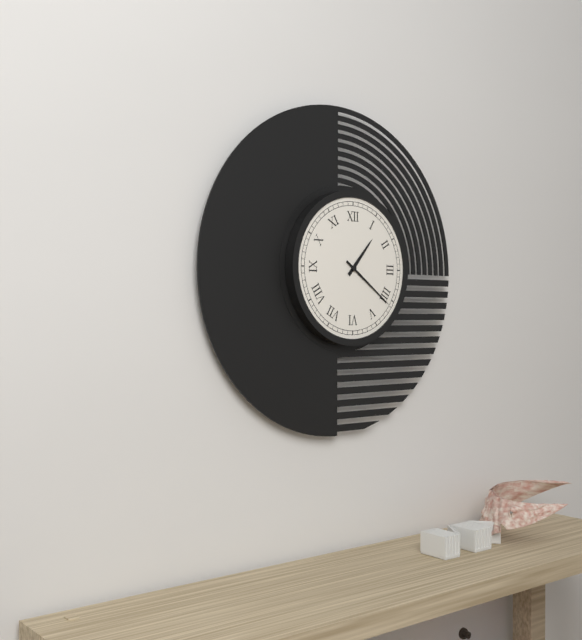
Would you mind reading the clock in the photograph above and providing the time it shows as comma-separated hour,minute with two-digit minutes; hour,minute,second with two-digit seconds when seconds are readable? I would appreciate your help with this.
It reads 1,21
